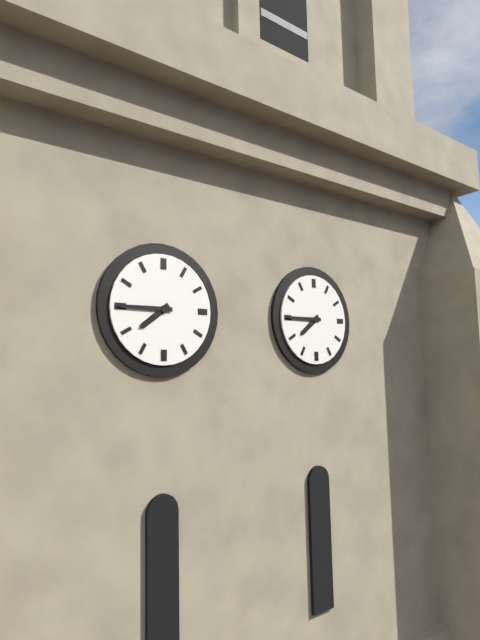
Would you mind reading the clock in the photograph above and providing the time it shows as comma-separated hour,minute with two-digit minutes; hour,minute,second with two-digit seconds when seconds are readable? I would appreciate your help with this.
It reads 7,45
